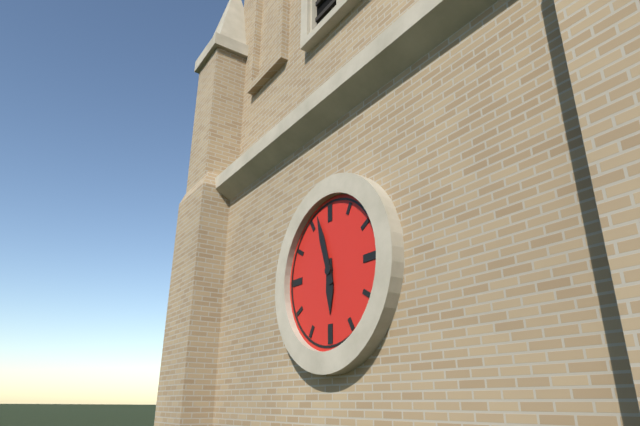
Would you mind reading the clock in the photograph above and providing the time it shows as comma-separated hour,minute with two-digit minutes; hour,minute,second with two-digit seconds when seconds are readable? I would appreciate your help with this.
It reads 5,57
